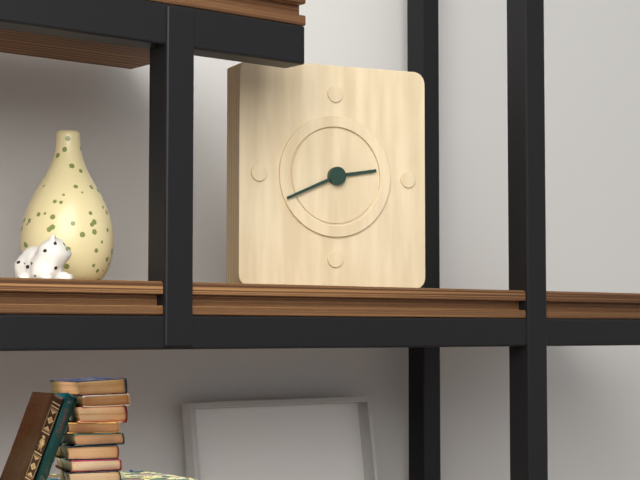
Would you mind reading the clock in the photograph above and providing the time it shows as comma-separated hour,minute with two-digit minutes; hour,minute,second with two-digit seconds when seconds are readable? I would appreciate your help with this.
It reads 2,41
